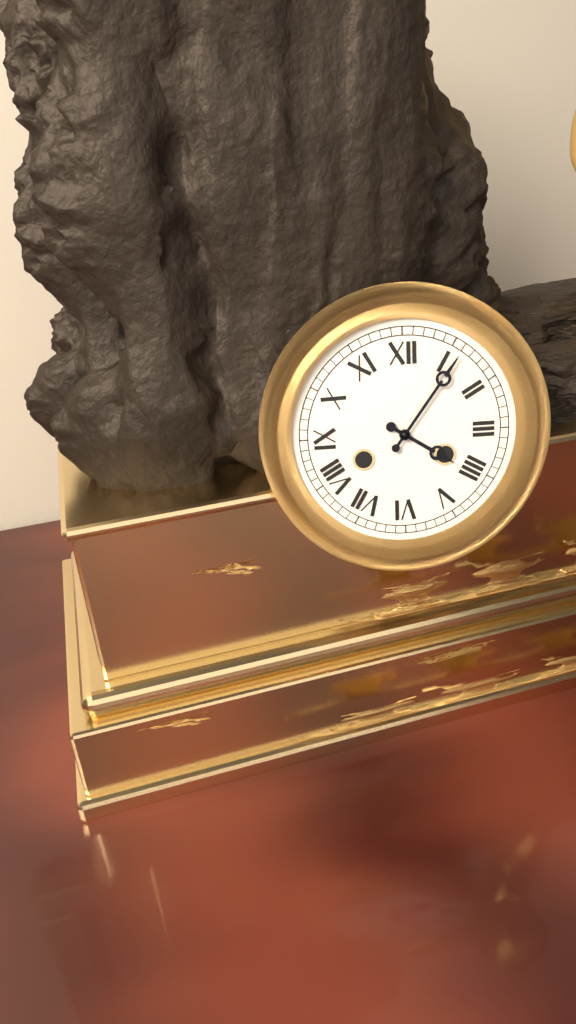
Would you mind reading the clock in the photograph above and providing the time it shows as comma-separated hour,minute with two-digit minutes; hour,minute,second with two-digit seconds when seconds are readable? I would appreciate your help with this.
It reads 4,06
